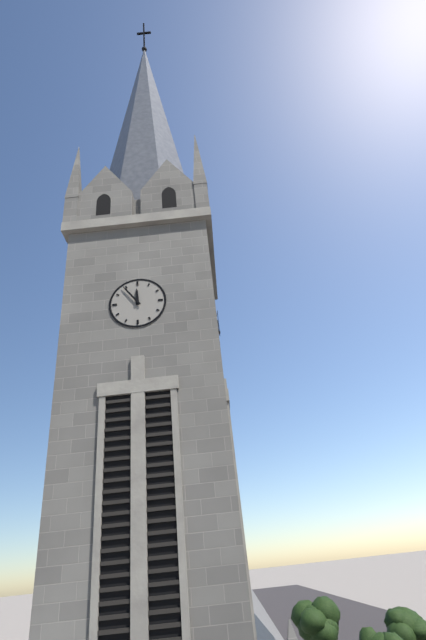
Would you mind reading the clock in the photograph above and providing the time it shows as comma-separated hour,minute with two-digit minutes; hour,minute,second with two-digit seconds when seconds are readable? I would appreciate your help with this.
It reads 11,54
